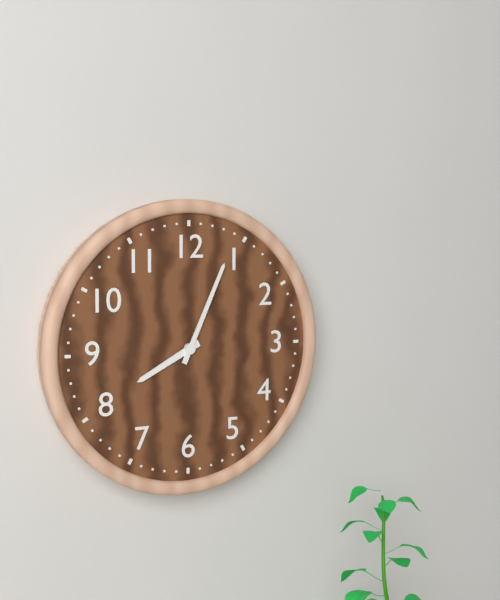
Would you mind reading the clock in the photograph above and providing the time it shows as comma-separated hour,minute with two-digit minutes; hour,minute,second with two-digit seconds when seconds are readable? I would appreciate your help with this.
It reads 8,04
